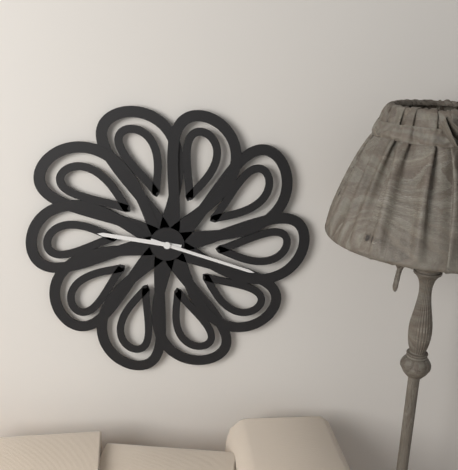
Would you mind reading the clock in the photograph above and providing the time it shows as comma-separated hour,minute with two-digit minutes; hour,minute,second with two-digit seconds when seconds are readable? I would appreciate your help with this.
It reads 9,18
